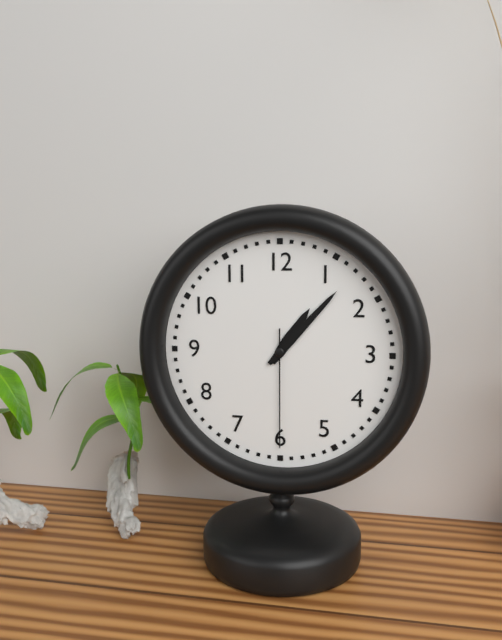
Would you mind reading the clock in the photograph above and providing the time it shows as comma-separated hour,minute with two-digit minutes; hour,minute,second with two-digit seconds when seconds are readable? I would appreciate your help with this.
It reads 1,07,30
